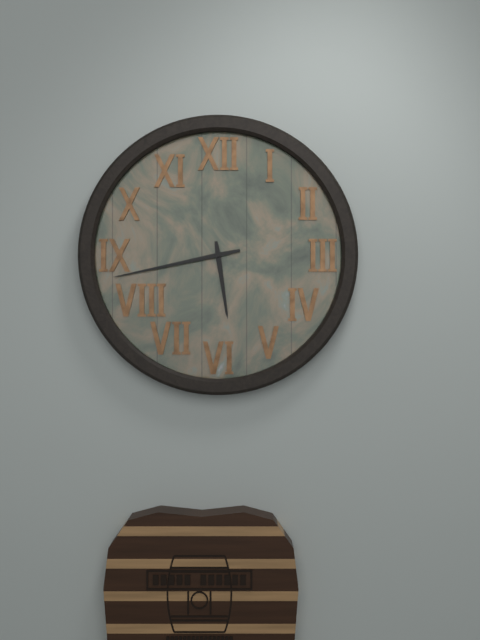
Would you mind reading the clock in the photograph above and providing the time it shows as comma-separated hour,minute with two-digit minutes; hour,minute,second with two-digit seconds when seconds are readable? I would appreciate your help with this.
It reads 5,43
